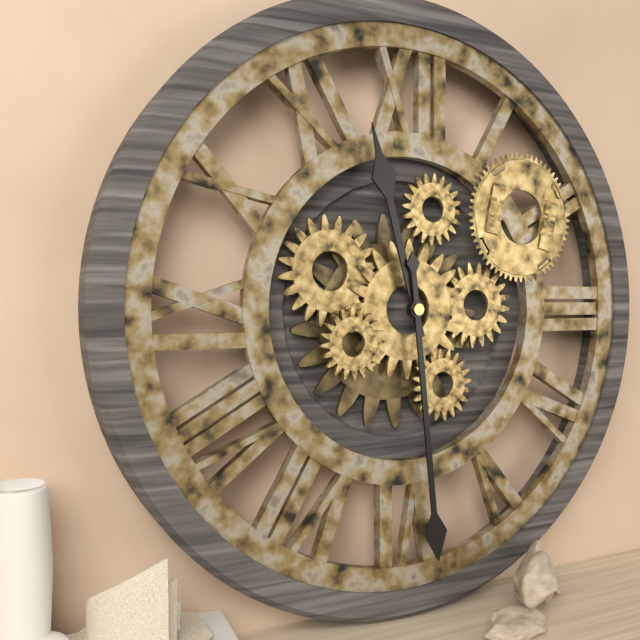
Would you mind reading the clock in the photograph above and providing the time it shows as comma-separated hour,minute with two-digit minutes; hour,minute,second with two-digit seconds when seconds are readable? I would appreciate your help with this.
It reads 11,29
